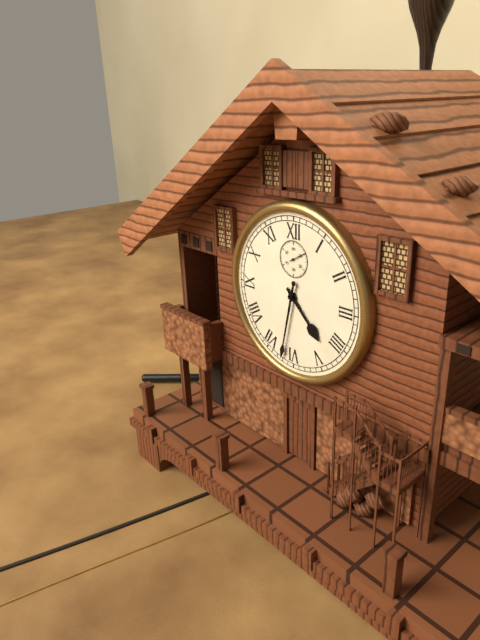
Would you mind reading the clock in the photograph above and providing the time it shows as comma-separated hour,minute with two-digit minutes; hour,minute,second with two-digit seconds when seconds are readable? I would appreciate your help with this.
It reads 4,32
